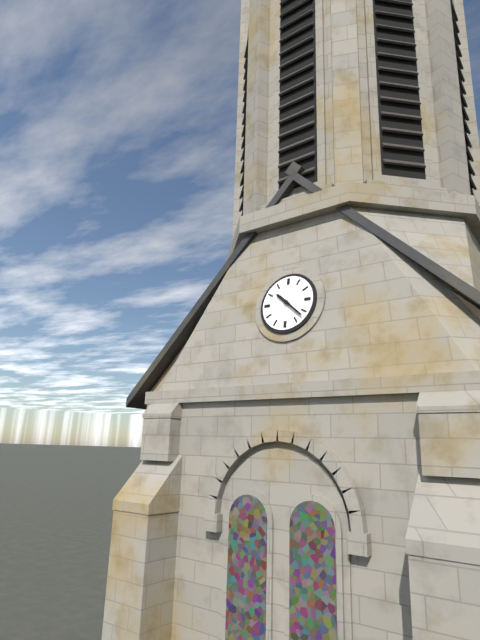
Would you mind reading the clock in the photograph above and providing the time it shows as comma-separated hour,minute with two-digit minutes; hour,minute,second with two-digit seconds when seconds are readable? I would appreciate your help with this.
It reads 10,22
